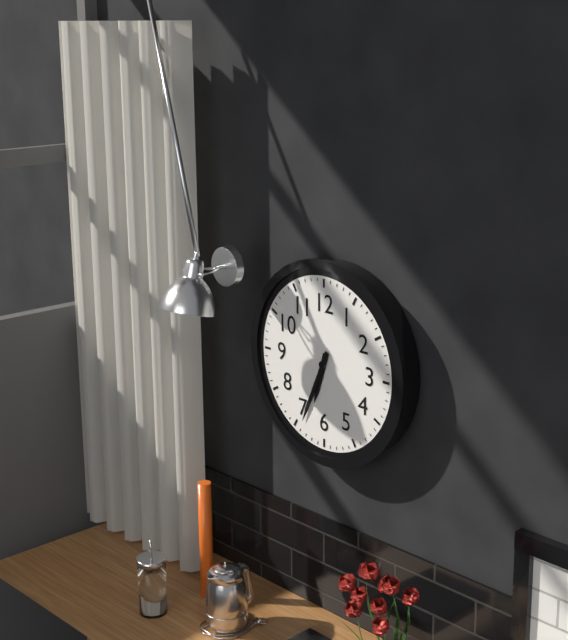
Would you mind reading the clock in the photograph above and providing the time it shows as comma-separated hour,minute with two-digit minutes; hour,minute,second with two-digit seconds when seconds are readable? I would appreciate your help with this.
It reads 6,34
